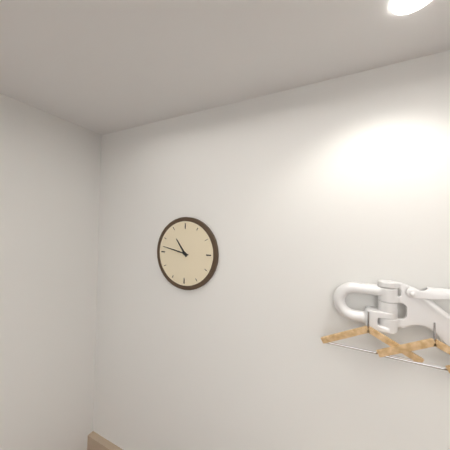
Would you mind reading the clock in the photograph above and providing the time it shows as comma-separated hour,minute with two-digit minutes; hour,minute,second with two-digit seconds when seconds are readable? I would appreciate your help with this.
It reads 10,47
